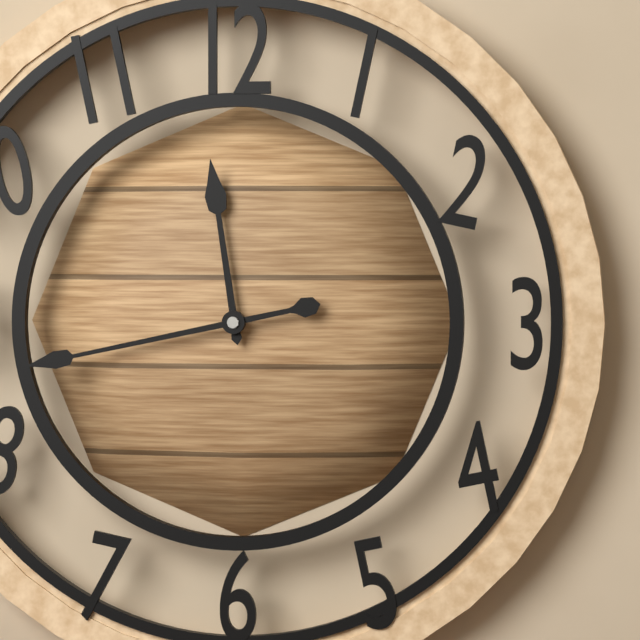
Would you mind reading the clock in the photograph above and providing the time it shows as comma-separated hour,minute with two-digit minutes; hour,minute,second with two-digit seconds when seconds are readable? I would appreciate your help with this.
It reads 11,43
